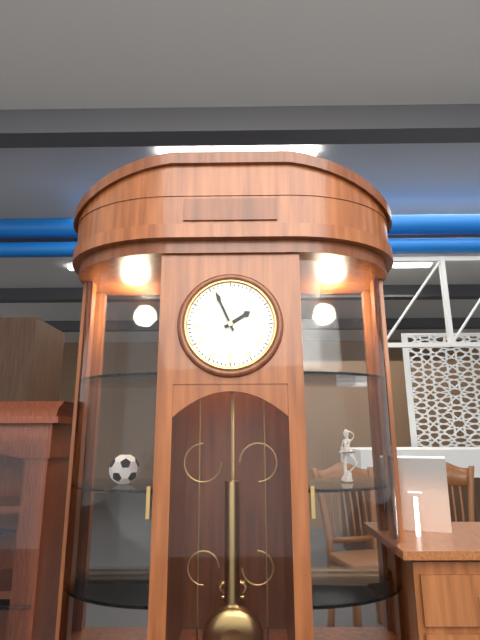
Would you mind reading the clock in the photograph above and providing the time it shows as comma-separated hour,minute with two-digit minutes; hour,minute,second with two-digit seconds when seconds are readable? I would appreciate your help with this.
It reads 1,56
